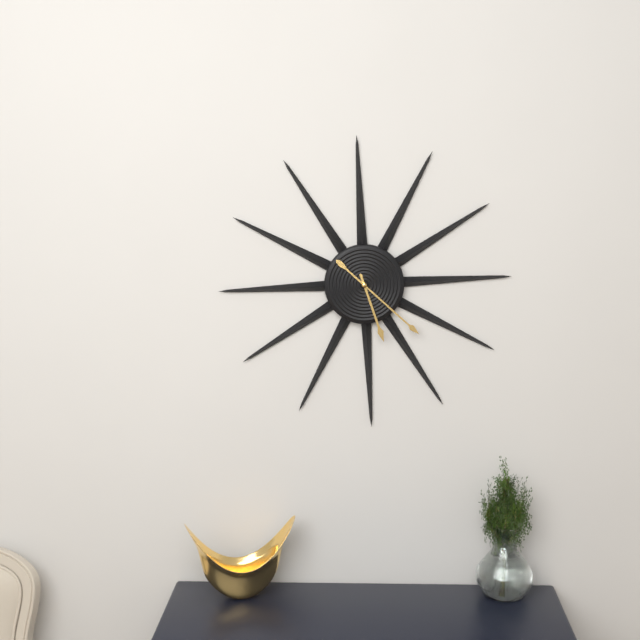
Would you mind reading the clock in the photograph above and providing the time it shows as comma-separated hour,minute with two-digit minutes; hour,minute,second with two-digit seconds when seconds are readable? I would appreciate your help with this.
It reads 5,22
